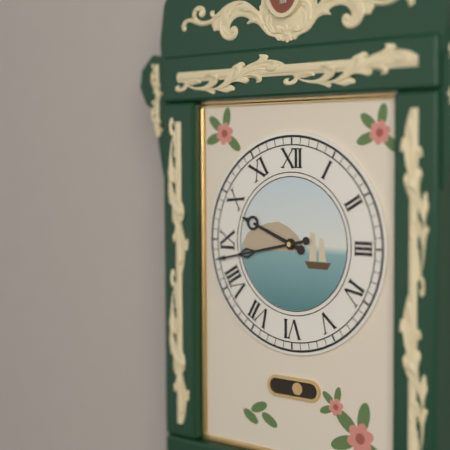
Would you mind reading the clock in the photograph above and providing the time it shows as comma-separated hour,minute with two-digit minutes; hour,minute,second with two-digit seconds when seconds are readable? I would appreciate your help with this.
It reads 9,43
